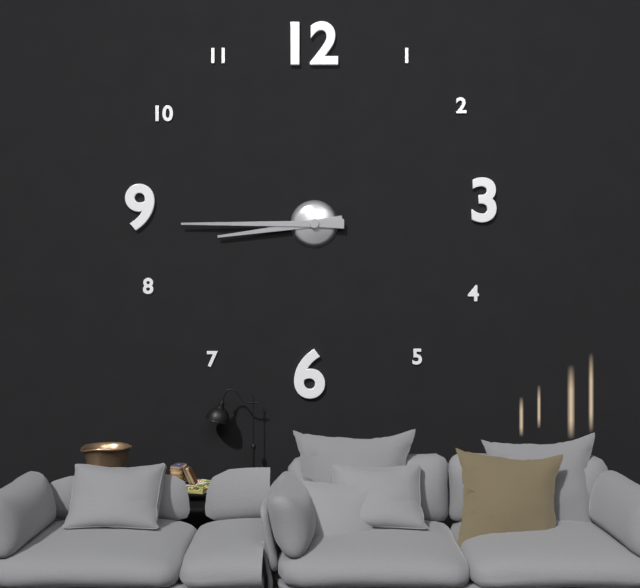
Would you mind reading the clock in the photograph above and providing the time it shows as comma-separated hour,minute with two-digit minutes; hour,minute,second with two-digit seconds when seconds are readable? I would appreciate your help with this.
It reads 8,45
